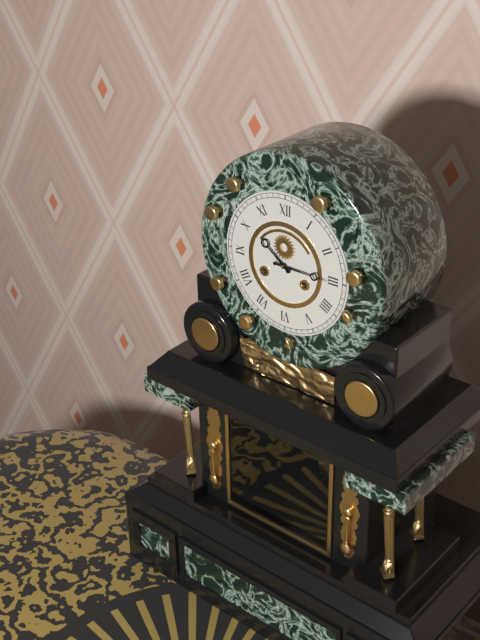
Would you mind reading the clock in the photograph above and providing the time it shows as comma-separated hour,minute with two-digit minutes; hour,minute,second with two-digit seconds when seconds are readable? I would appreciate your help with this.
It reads 10,15
